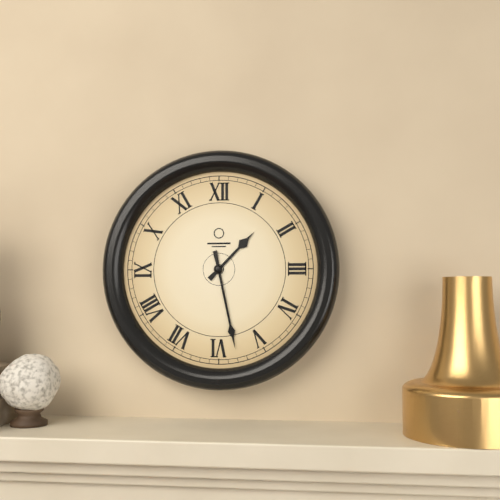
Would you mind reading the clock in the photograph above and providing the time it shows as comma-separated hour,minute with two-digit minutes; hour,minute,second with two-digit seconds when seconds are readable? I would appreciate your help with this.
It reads 1,28
